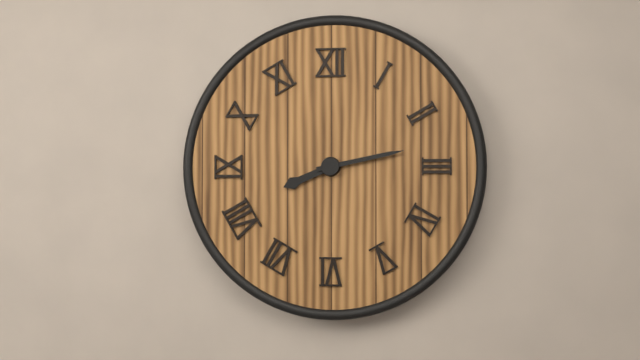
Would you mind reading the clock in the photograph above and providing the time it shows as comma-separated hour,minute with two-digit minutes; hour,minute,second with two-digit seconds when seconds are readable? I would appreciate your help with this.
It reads 8,13
